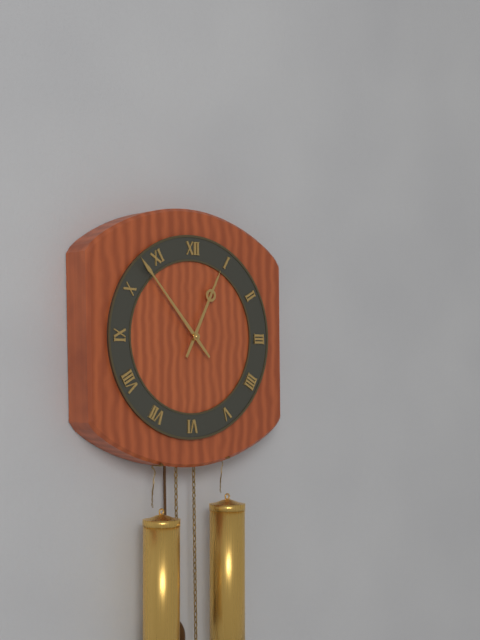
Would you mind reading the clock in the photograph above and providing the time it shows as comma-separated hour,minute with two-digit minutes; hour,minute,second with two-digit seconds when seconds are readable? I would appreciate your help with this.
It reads 12,53
